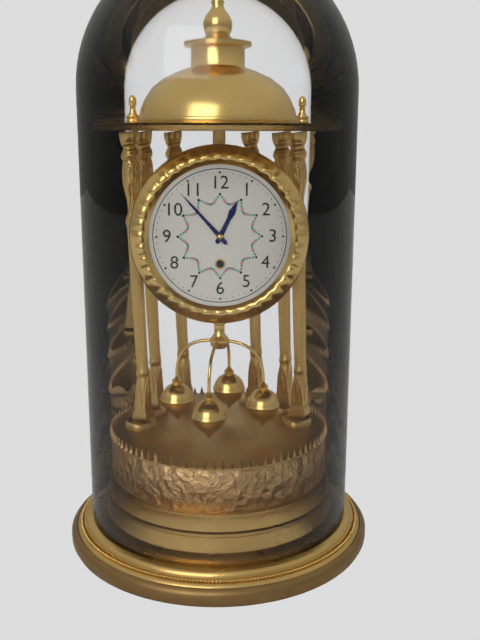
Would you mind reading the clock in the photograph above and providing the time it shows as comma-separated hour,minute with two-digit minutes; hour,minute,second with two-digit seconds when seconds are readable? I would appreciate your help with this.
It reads 12,53
